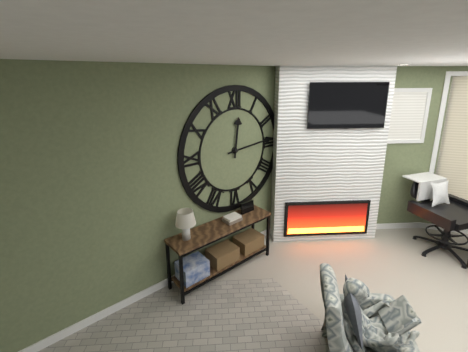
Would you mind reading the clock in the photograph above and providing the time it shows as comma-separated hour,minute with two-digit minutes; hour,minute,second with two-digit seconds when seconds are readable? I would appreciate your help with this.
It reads 12,14
